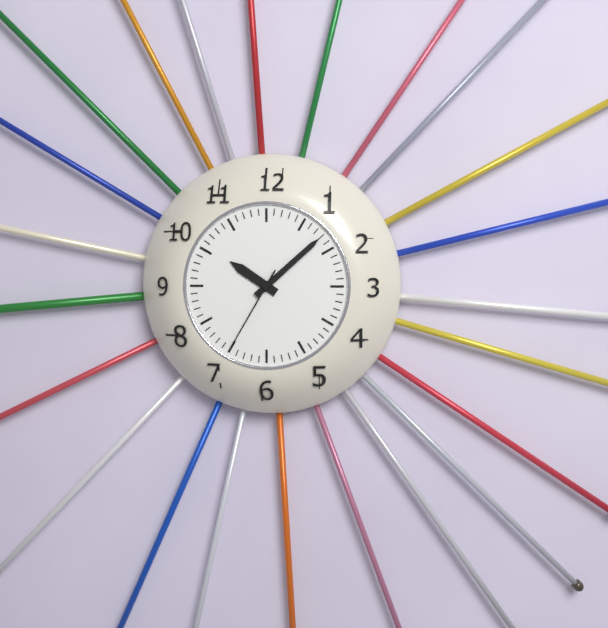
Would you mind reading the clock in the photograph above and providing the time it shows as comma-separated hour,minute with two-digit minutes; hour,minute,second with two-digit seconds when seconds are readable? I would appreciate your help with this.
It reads 10,08,35
